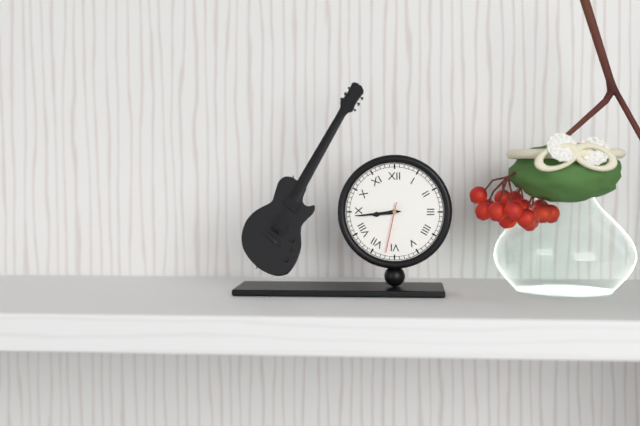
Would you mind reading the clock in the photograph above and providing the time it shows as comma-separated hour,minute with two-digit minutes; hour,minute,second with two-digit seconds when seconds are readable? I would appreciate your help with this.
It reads 8,44,32
